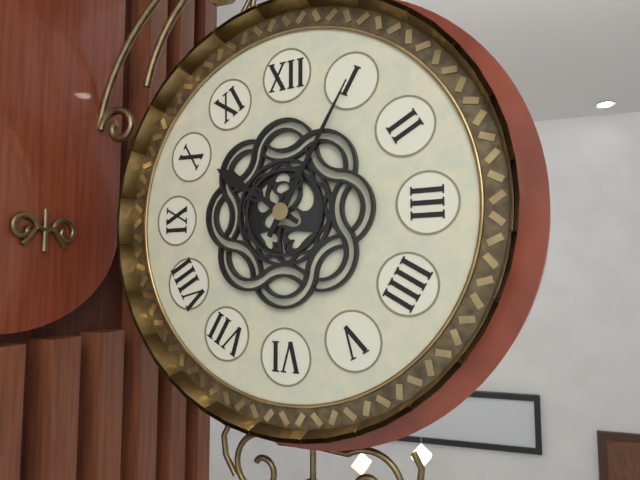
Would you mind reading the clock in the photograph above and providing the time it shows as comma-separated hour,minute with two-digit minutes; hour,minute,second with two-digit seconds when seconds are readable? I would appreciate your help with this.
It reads 10,05
